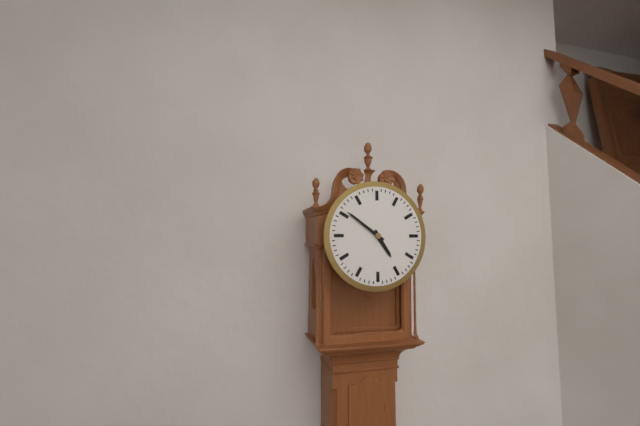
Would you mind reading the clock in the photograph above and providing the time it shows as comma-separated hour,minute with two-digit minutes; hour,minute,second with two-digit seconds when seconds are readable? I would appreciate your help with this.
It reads 4,51
